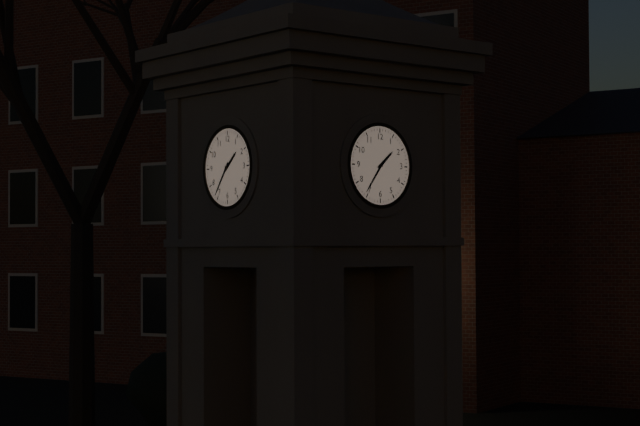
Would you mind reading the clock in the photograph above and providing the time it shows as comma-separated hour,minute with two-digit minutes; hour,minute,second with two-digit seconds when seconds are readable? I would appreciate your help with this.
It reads 1,36
